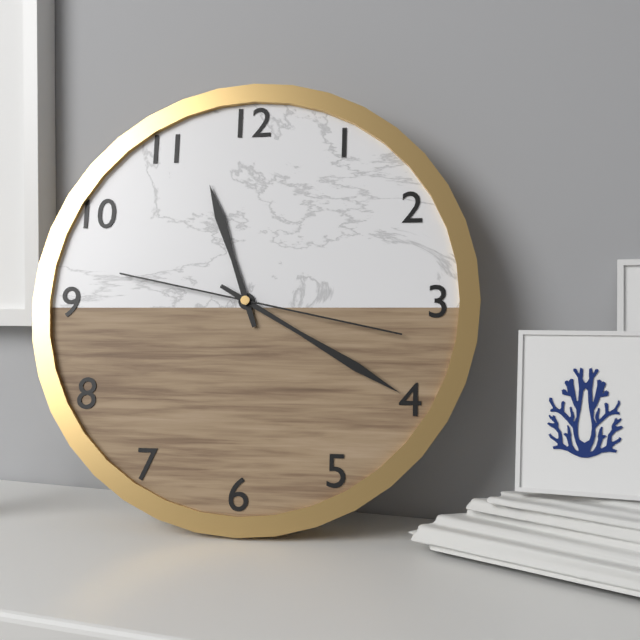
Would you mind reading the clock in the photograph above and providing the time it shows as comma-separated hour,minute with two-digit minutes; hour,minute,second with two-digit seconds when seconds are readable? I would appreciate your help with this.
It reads 11,20,17
